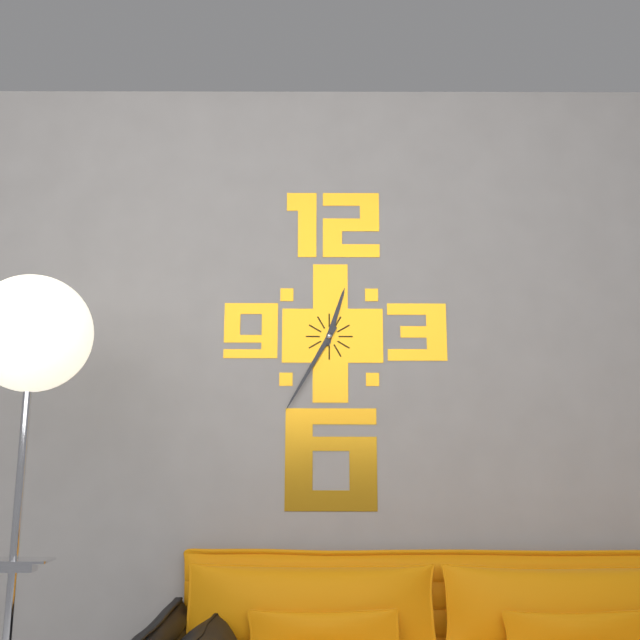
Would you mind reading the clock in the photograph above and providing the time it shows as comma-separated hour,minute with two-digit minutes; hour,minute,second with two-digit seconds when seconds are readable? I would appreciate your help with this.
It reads 12,35
